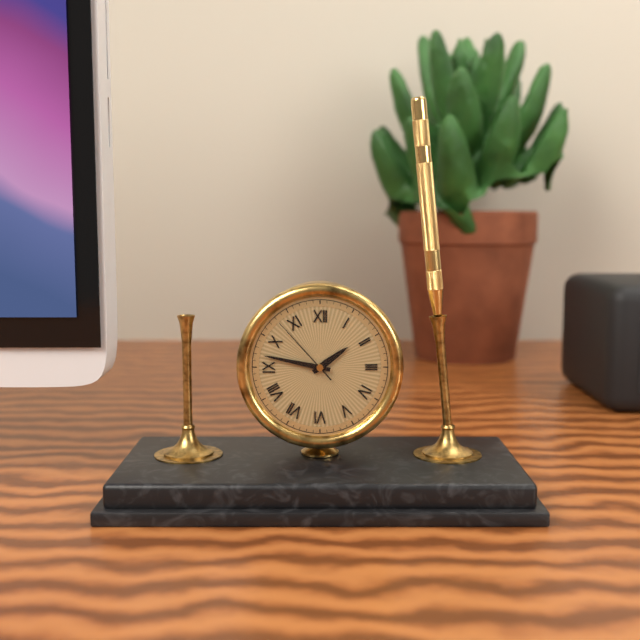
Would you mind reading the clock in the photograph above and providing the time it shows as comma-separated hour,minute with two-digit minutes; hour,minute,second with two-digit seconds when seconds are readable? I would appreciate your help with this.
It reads 1,47,53
